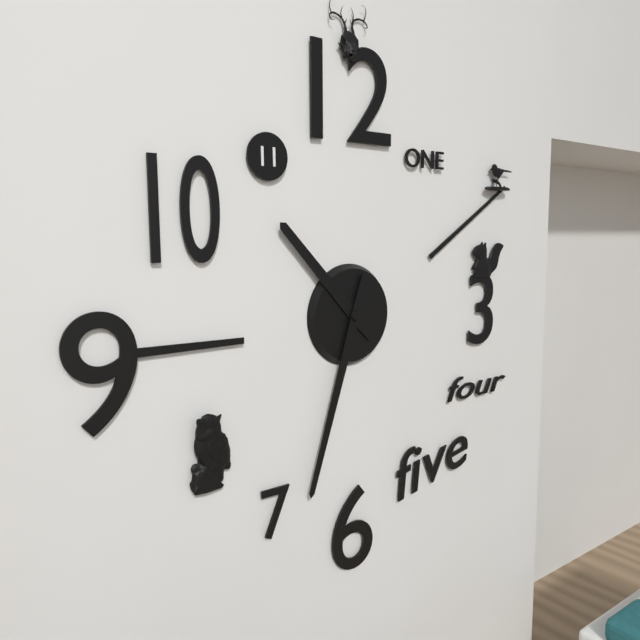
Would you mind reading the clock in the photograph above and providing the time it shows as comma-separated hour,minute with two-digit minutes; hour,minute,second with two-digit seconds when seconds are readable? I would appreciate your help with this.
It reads 10,33
